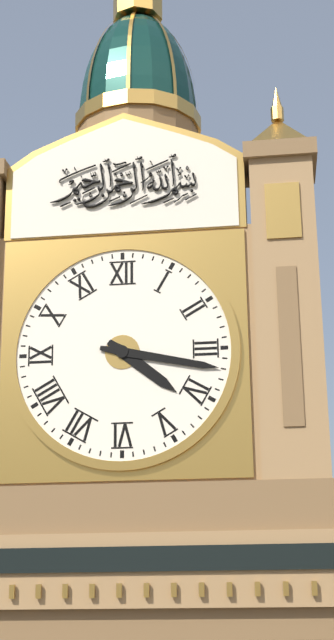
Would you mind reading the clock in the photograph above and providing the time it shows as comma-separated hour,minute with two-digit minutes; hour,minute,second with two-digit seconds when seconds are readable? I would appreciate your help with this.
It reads 4,17
